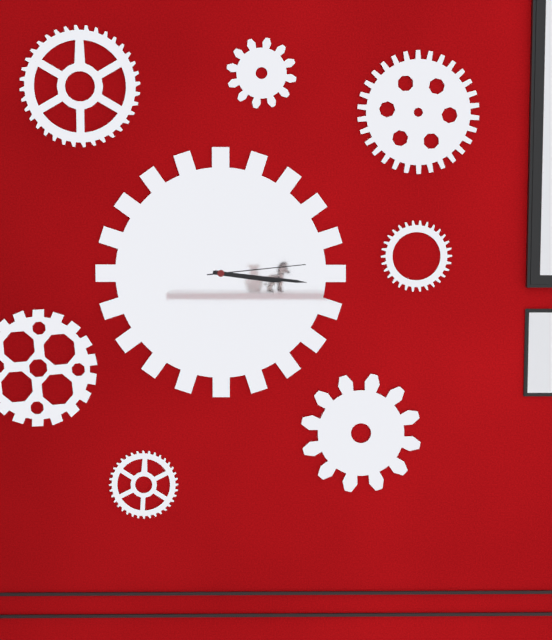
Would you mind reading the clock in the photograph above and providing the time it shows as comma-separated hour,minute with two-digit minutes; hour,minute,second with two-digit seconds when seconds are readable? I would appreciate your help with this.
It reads 3,16,14
